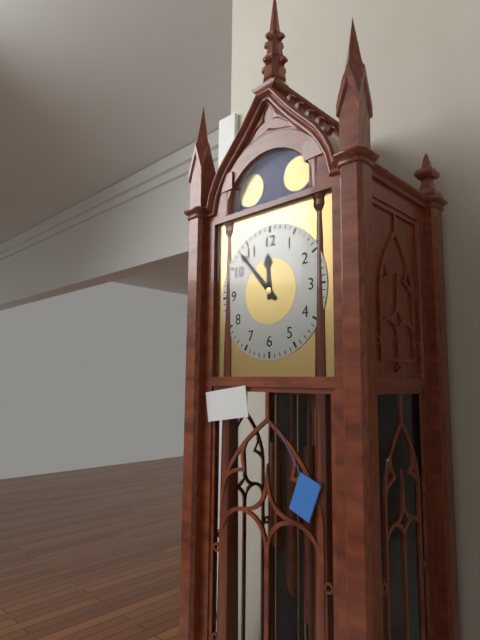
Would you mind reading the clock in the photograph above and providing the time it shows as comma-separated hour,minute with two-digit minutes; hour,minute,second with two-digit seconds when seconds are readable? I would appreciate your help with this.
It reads 11,53
